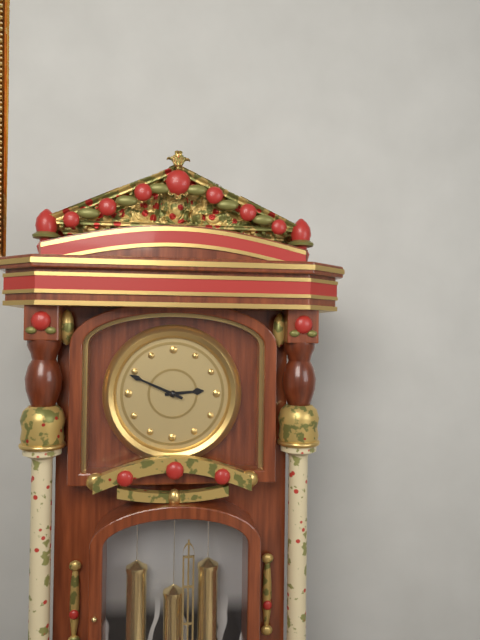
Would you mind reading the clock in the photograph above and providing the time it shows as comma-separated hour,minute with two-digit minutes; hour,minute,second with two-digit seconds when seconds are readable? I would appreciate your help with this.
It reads 2,49
